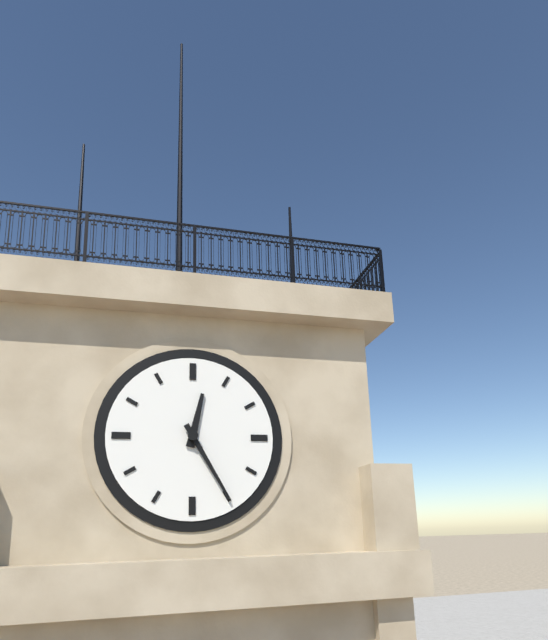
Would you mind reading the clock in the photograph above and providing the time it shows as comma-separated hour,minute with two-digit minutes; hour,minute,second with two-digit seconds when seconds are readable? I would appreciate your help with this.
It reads 12,25
